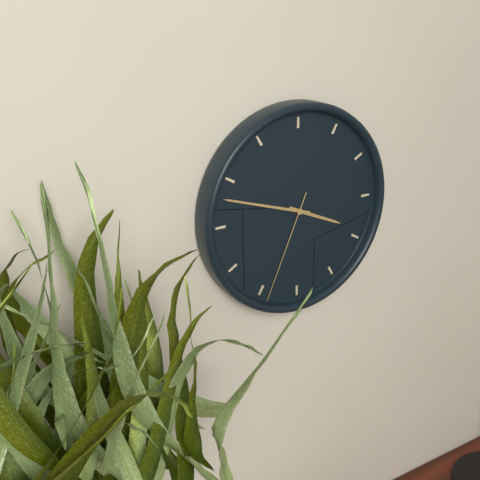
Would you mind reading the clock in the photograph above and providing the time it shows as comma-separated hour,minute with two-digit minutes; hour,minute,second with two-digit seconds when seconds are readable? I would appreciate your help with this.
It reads 3,48,34
